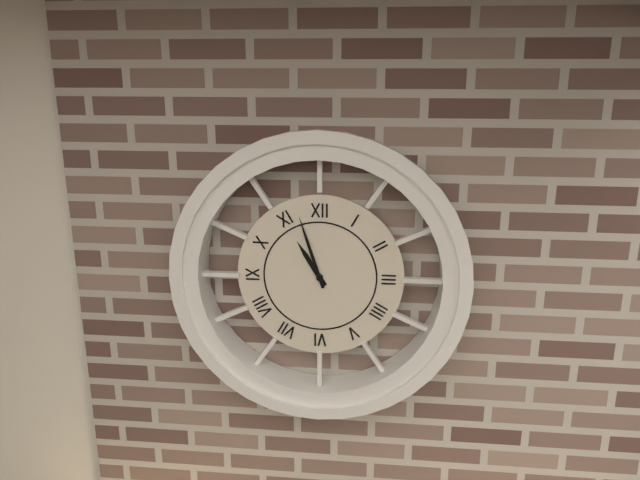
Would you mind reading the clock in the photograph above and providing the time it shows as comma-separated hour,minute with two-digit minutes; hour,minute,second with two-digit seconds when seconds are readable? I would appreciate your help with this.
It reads 10,57
